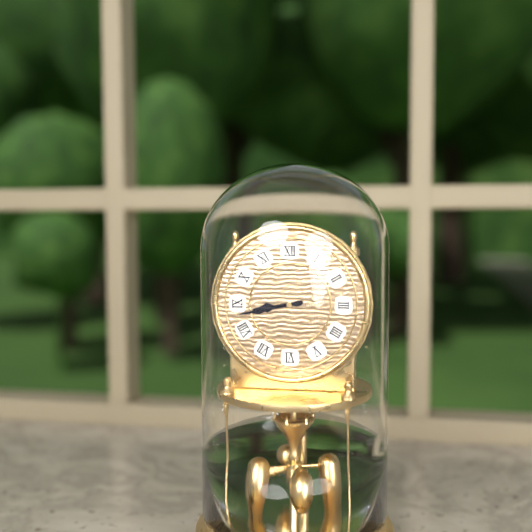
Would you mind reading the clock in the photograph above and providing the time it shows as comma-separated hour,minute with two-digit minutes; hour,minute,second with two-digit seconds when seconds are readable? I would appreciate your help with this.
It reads 8,43
